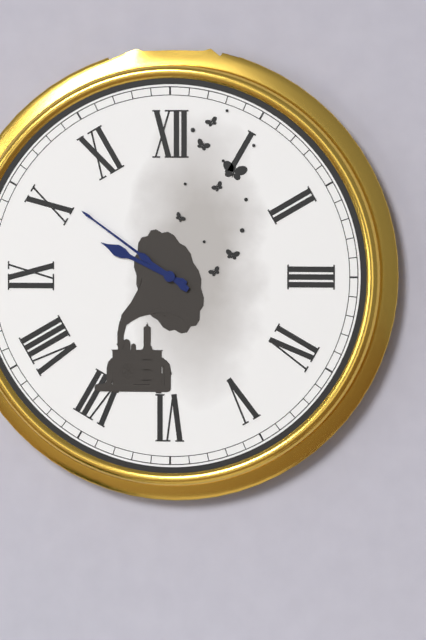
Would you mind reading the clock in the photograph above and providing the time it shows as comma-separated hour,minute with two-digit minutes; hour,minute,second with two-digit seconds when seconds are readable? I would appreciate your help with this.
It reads 9,51
